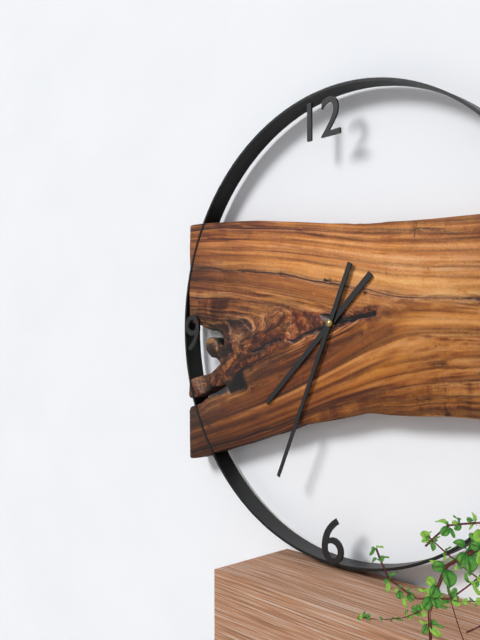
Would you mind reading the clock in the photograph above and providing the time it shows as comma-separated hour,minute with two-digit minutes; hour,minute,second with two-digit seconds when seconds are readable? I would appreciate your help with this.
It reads 7,34
